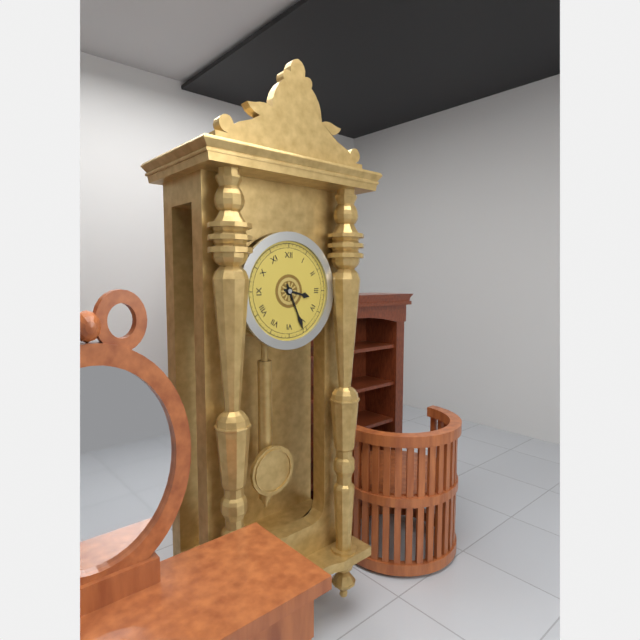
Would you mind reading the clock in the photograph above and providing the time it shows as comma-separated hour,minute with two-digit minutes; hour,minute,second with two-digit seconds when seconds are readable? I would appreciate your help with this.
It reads 3,26
